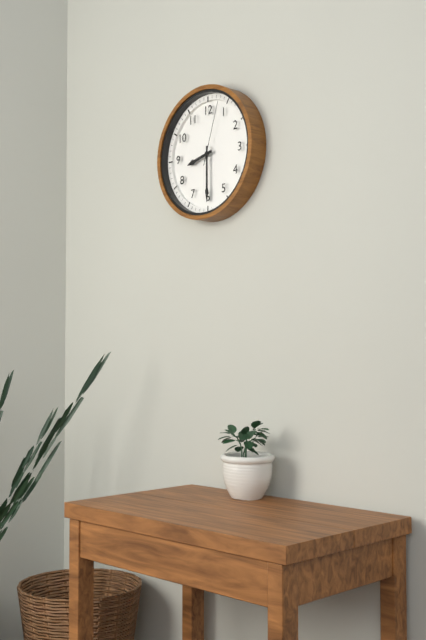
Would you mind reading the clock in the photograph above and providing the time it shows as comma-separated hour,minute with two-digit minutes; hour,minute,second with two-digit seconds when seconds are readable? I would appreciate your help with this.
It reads 8,30,03
